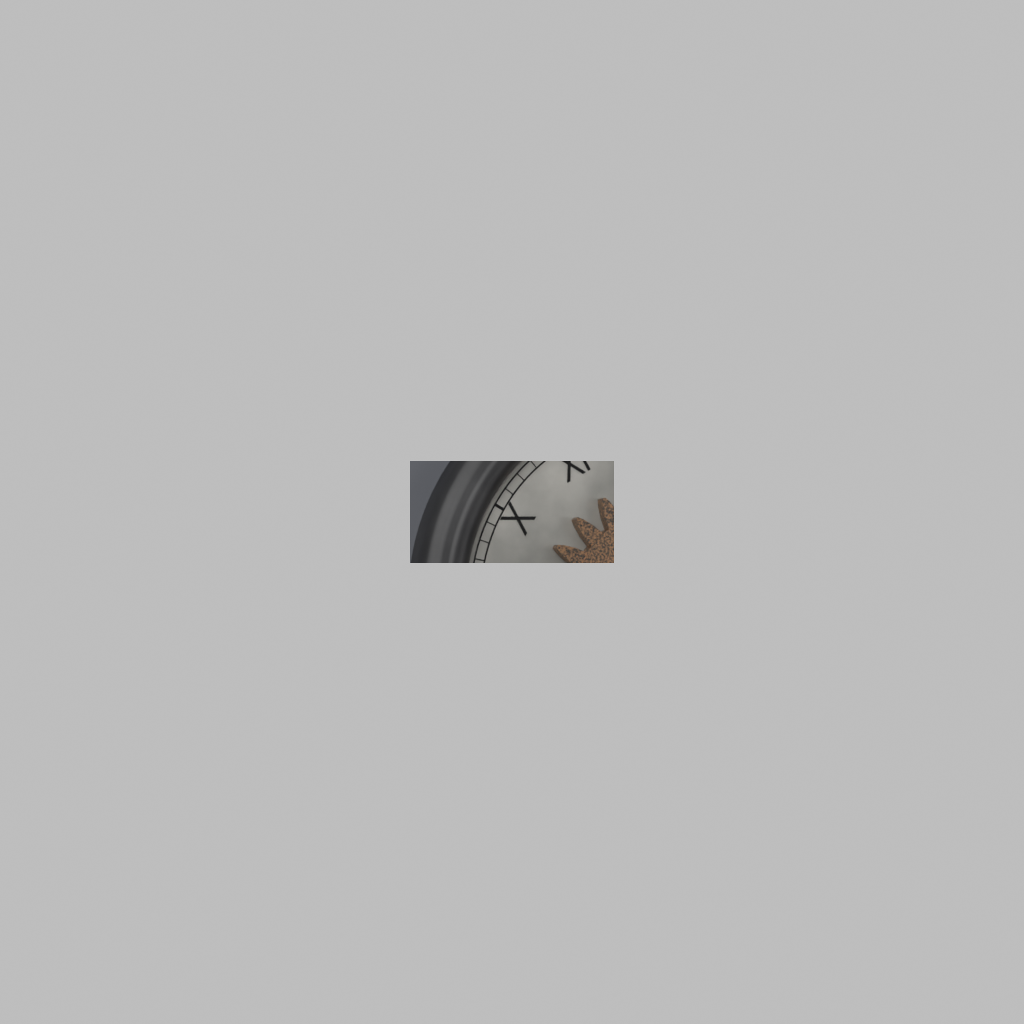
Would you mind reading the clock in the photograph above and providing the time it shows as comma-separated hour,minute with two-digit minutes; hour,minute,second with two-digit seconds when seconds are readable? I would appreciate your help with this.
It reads 7,30
